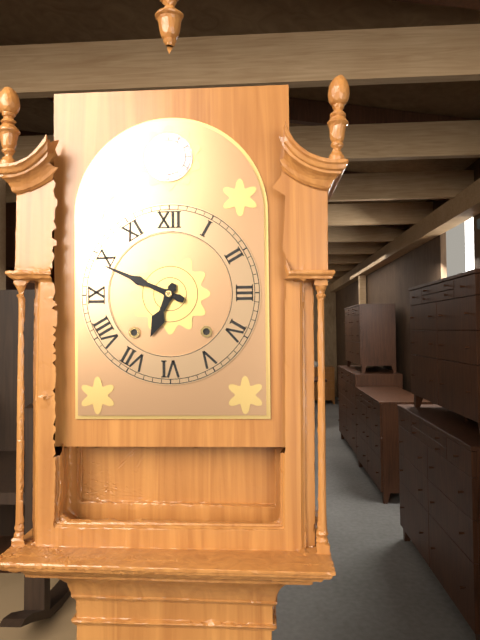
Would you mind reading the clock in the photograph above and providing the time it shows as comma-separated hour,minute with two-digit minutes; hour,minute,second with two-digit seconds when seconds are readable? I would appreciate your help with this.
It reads 6,49
